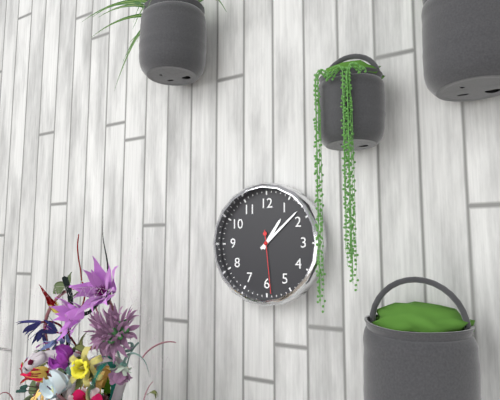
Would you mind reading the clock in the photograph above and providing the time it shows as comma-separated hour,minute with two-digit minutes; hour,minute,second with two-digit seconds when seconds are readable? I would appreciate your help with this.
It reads 1,08,29
